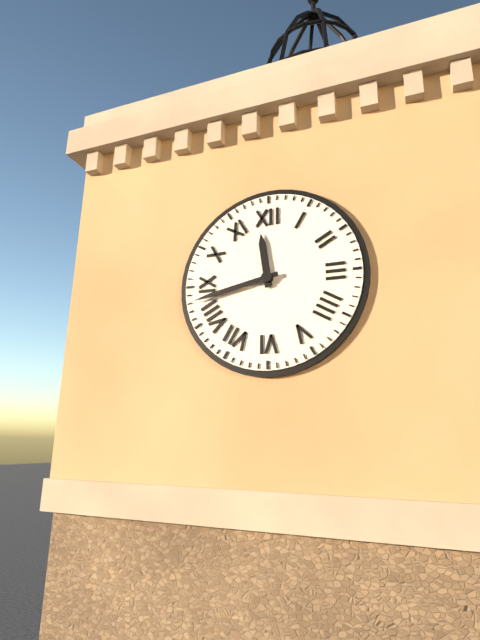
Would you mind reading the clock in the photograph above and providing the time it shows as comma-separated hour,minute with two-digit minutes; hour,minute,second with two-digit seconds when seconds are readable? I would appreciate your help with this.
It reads 11,43
